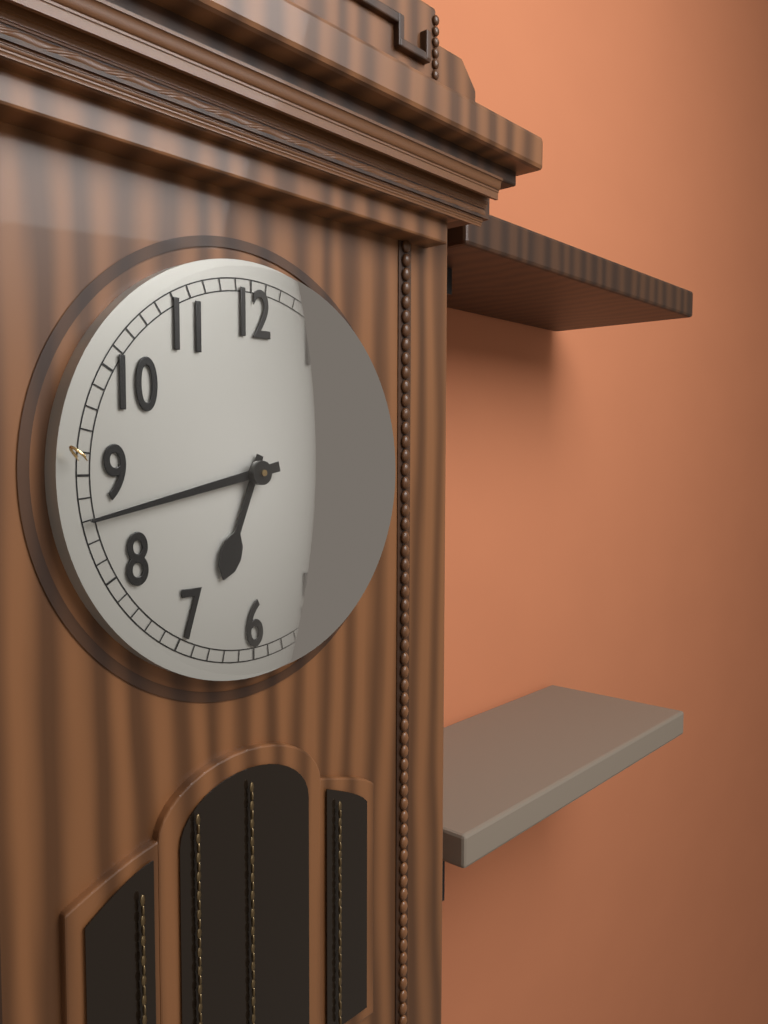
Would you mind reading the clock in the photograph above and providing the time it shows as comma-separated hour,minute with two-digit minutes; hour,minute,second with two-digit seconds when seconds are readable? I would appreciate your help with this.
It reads 6,43
